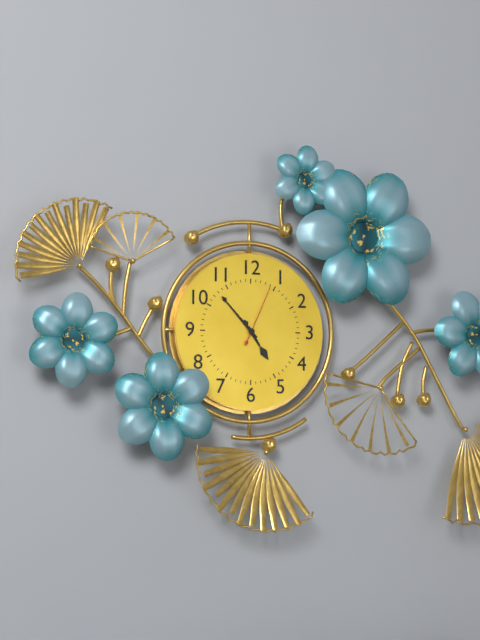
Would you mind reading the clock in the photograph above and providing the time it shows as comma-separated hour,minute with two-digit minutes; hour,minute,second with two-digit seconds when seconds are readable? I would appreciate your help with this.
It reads 4,53,04
